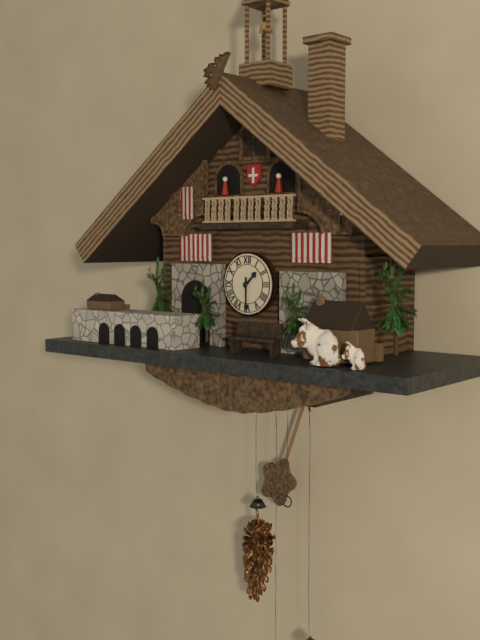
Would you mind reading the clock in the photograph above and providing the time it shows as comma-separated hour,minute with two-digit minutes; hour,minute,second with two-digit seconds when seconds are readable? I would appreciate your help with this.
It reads 1,30
